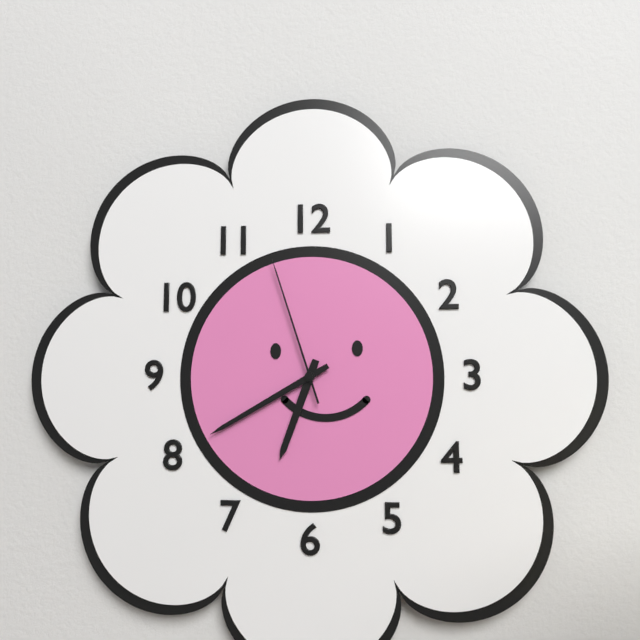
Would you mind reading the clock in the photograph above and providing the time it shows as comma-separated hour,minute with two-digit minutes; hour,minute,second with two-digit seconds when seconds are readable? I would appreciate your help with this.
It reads 6,40,57
